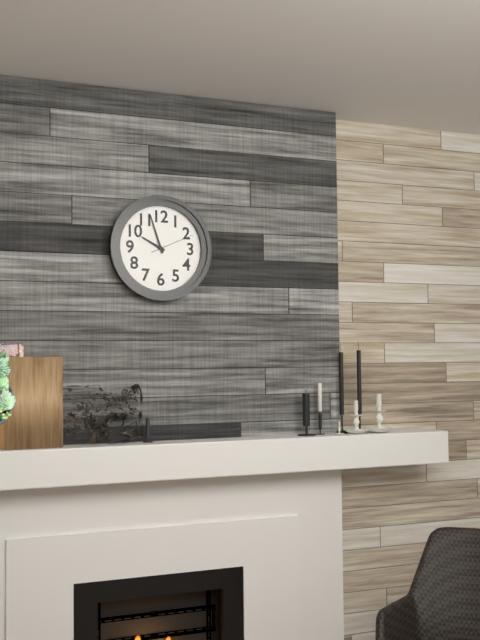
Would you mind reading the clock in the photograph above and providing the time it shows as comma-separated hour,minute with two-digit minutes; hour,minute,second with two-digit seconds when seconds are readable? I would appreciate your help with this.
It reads 9,57
